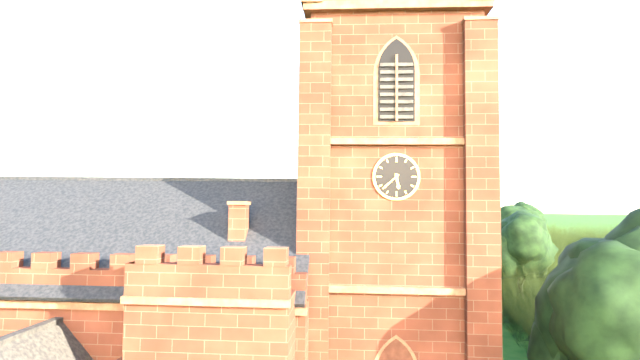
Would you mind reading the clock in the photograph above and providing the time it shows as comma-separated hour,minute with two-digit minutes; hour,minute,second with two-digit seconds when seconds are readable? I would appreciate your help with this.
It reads 5,38
